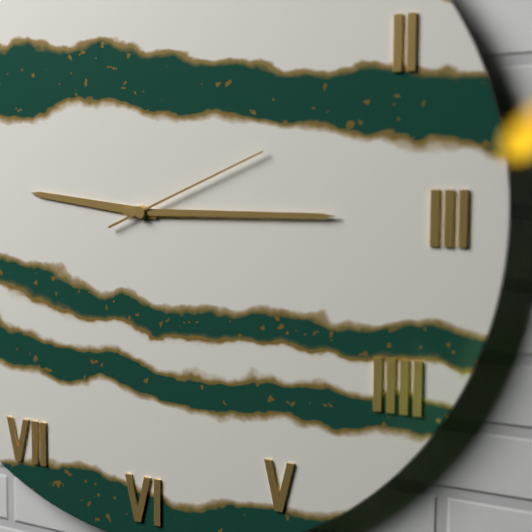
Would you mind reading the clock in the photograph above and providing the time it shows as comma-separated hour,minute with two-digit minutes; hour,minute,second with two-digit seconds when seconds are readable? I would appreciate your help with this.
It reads 9,15,11
